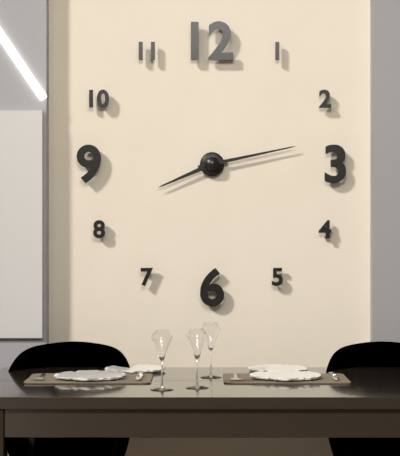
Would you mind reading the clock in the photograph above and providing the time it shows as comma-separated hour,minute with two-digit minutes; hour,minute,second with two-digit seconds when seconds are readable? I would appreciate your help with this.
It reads 8,13
